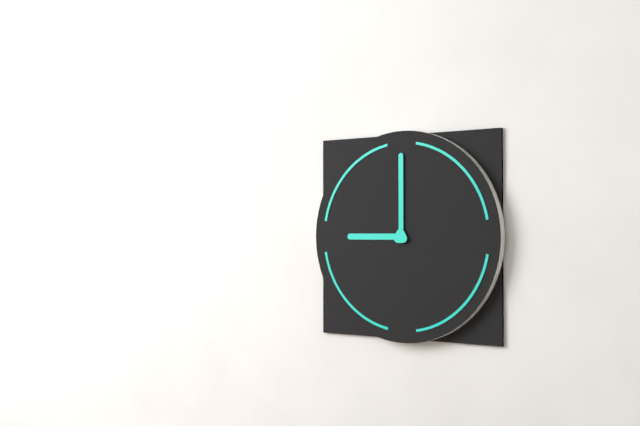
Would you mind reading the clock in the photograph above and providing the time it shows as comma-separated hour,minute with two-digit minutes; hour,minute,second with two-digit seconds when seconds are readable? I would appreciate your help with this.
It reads 9,00
